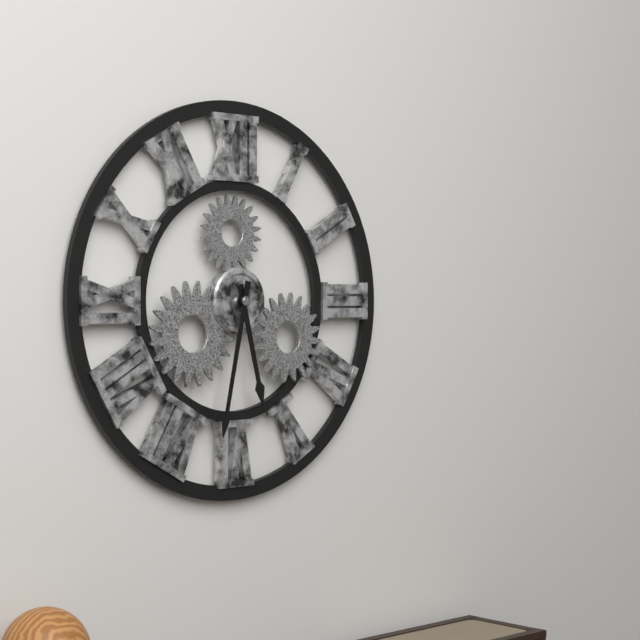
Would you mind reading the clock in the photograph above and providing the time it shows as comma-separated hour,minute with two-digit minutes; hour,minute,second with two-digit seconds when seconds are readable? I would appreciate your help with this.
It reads 5,32
